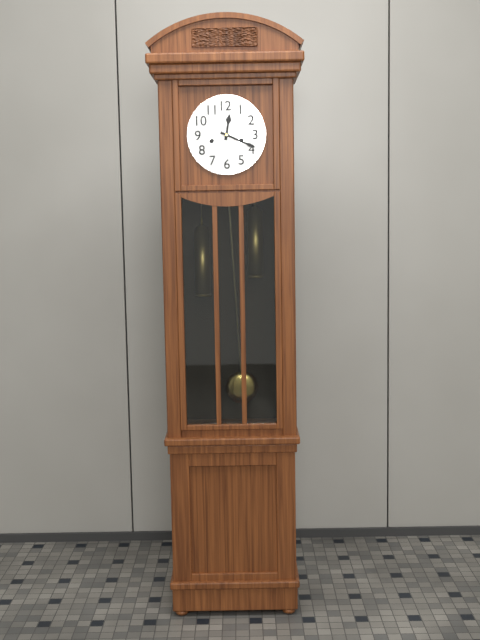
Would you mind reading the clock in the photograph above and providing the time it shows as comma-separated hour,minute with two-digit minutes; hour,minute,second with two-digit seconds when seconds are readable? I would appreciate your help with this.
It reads 12,19
